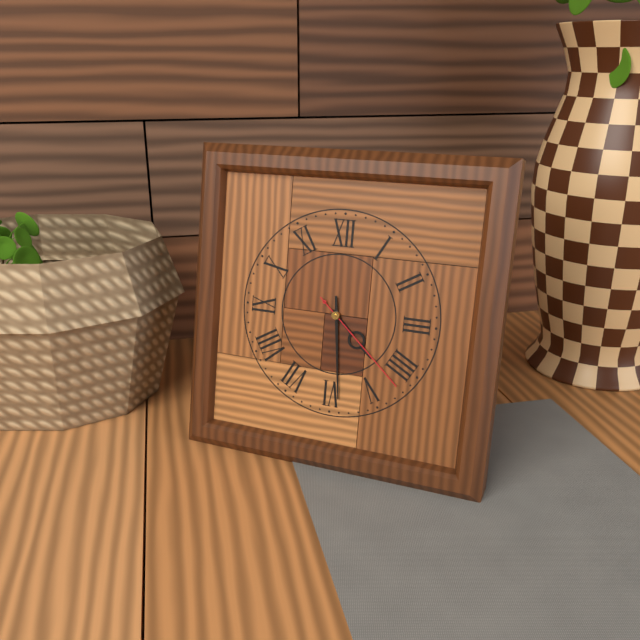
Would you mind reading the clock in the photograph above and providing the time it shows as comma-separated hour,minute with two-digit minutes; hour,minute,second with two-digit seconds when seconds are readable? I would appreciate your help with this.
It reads 4,29,22
